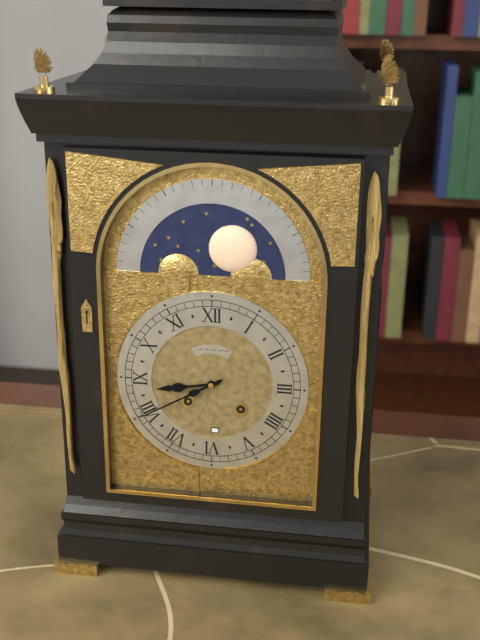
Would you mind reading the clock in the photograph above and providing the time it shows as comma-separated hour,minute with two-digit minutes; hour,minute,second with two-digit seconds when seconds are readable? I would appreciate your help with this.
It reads 8,40
